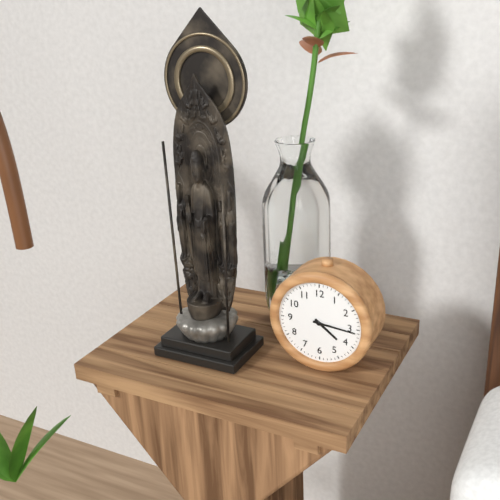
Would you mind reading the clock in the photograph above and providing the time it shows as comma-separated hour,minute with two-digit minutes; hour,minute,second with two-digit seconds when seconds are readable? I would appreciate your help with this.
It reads 4,16
